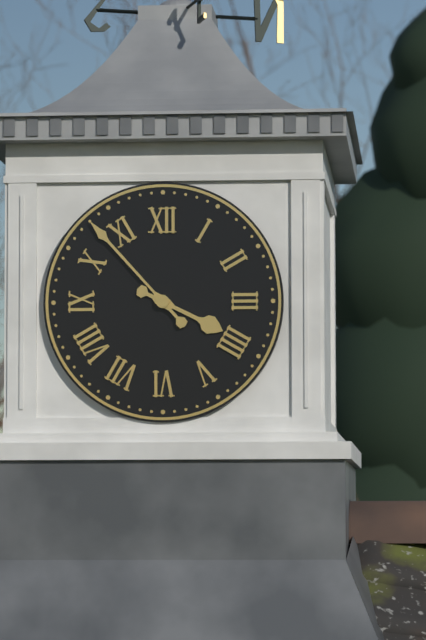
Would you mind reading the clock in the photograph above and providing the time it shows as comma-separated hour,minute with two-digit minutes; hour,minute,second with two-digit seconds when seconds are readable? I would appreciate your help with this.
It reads 3,53
